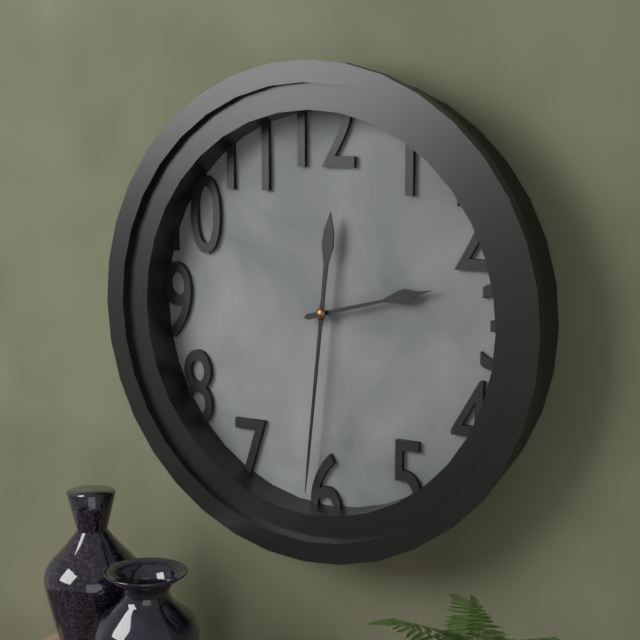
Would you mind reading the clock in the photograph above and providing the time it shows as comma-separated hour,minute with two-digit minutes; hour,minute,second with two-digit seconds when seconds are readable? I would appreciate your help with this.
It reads 2,31
